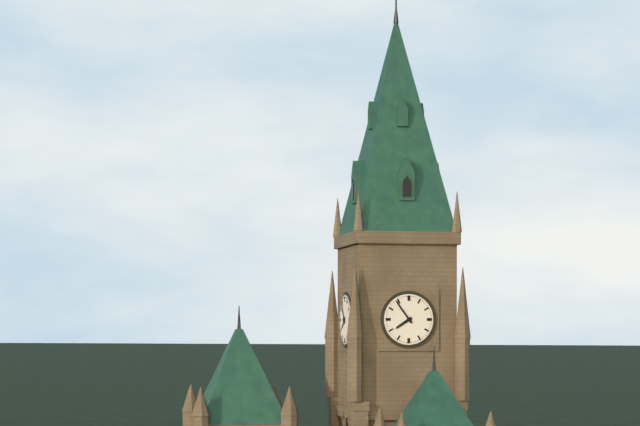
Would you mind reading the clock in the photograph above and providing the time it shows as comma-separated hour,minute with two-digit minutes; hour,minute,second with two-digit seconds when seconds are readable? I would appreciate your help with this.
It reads 7,54
